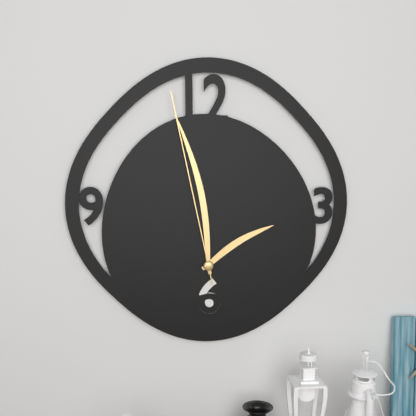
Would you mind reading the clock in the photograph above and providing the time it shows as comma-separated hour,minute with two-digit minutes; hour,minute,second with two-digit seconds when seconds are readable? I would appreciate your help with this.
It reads 1,58,58
